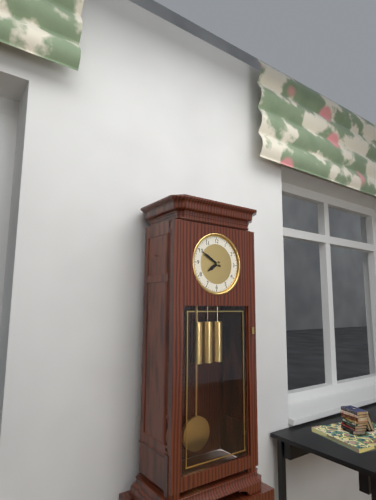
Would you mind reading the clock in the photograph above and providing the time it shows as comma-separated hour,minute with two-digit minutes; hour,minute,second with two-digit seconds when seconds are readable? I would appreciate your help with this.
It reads 7,50
